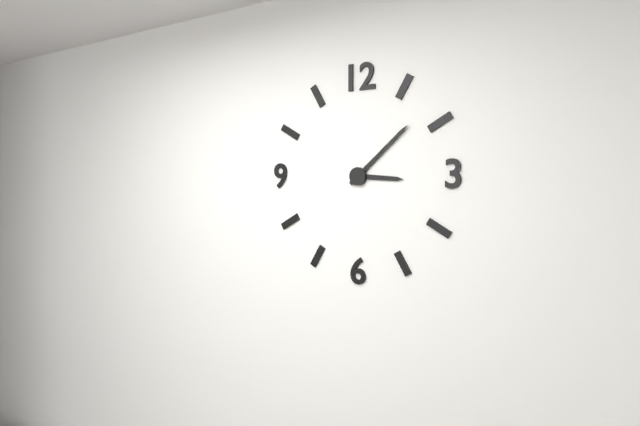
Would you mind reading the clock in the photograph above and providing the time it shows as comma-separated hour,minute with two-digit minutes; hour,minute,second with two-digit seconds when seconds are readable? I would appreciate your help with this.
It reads 3,08
